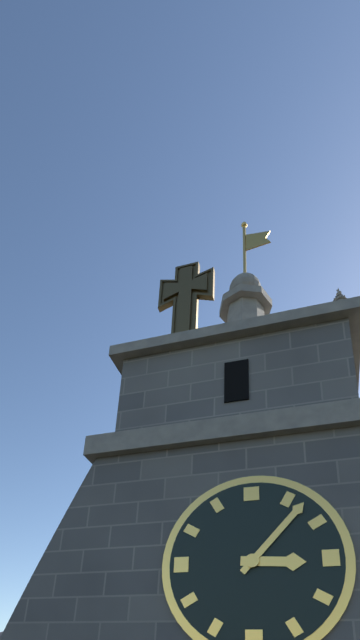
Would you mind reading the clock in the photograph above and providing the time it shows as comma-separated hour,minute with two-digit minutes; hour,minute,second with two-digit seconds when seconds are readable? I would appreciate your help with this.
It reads 3,07
